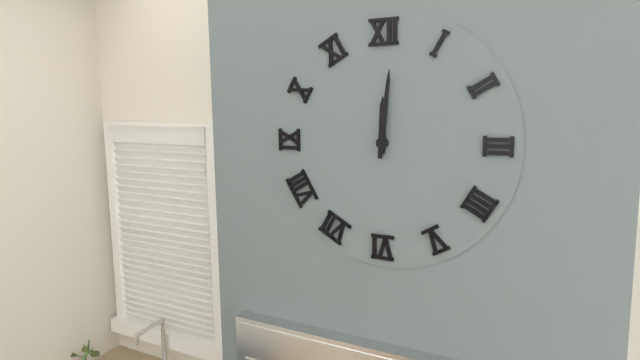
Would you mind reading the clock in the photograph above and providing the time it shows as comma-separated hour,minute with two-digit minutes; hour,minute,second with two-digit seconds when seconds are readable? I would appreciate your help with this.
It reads 12,01
